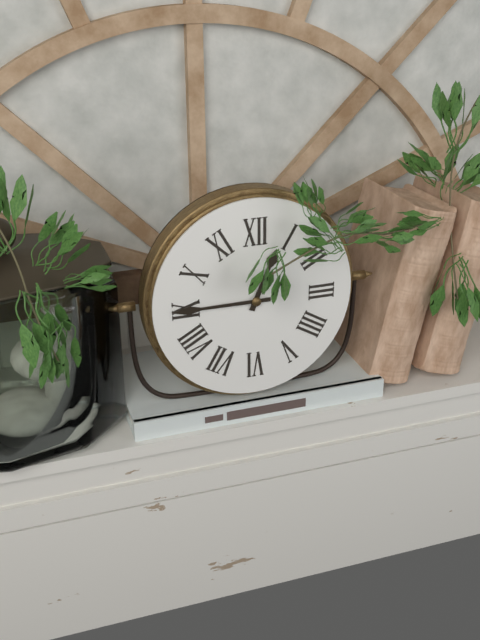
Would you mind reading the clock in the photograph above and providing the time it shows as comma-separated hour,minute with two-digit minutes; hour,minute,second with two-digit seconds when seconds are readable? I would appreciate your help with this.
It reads 12,45
